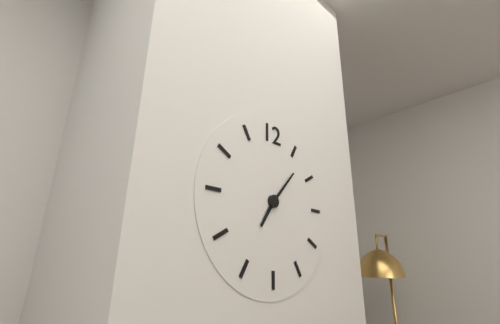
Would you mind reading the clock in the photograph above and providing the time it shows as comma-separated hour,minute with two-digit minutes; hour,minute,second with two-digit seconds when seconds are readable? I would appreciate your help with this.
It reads 7,07
